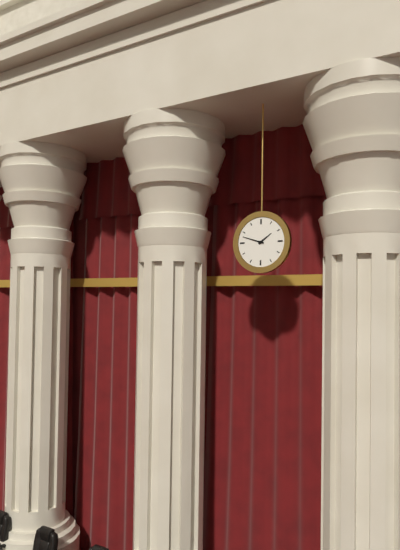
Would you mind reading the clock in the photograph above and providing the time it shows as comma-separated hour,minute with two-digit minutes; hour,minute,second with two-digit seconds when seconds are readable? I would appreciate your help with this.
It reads 1,48
